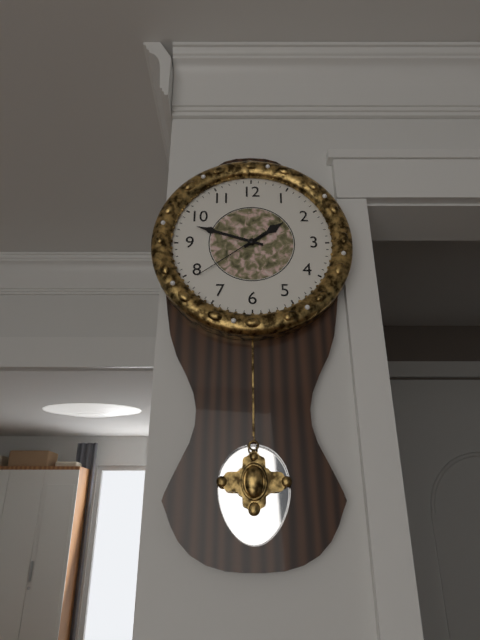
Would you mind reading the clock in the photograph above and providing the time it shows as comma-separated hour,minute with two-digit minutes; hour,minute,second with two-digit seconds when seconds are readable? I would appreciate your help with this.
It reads 1,48,39
